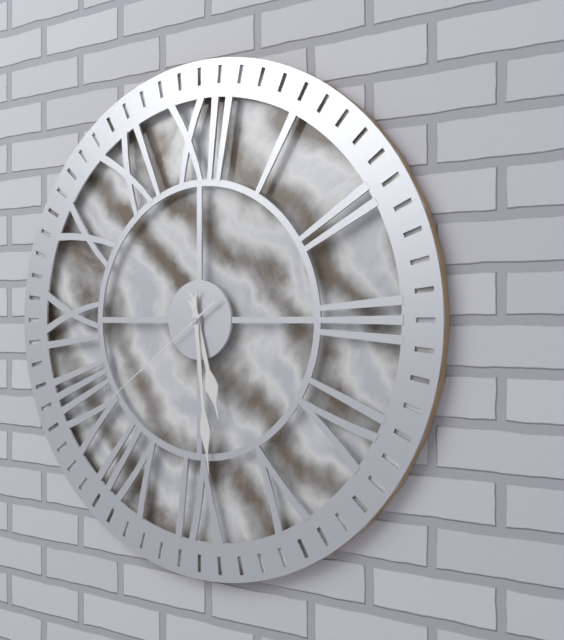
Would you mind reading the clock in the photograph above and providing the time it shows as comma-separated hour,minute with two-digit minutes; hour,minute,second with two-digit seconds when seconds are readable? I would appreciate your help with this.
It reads 5,29,39
